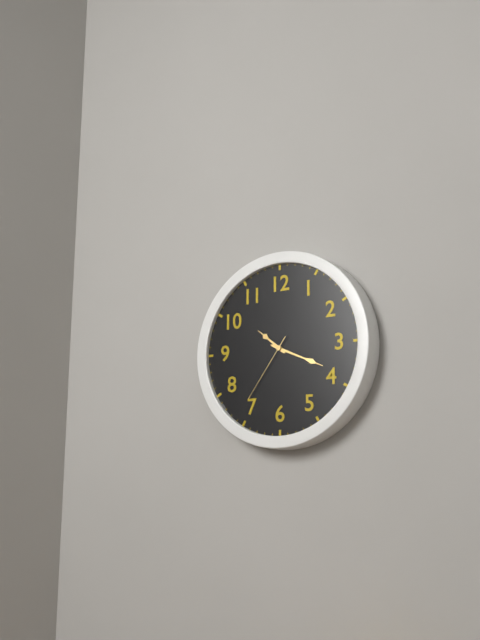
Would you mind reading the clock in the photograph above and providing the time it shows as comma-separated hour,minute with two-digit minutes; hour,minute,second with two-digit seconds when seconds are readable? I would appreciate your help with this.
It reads 10,19,36
